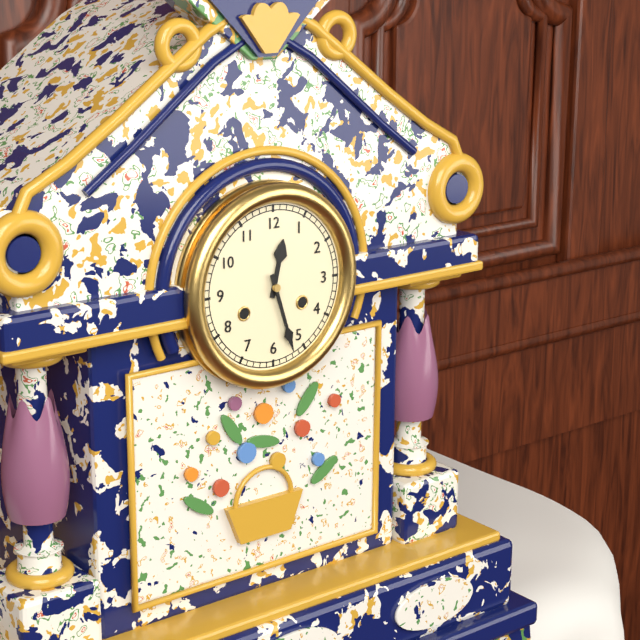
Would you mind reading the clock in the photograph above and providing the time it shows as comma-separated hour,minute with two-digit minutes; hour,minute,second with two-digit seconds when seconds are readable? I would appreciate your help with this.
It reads 12,27
